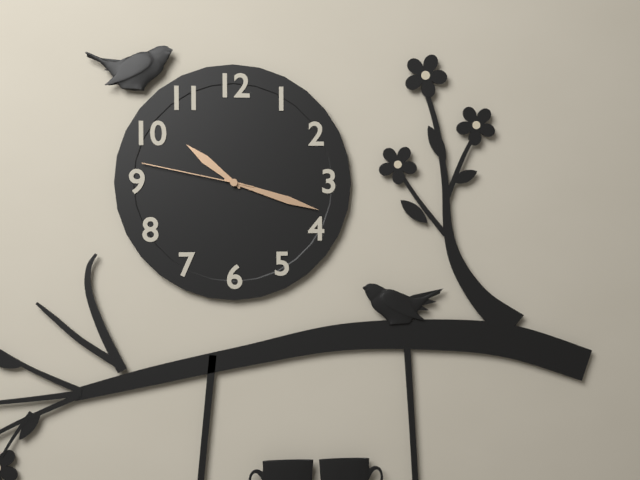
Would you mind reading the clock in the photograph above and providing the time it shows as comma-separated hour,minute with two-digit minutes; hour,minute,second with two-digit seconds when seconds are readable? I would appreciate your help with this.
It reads 10,18,47
